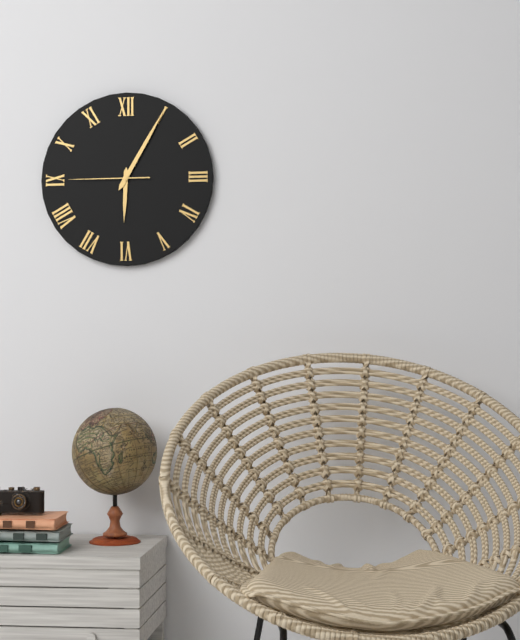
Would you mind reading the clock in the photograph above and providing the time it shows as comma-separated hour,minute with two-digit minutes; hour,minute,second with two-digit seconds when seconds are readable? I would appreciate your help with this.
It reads 6,05,45
